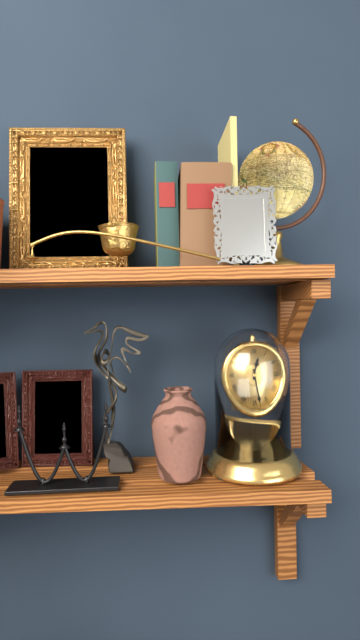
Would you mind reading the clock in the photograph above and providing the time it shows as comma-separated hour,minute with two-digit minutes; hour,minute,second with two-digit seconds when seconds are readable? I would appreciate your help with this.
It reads 12,28
